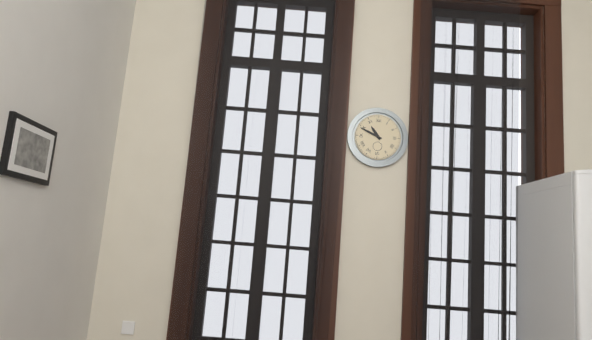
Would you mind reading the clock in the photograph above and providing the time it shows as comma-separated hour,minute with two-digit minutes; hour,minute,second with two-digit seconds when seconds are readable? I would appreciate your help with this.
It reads 10,49
